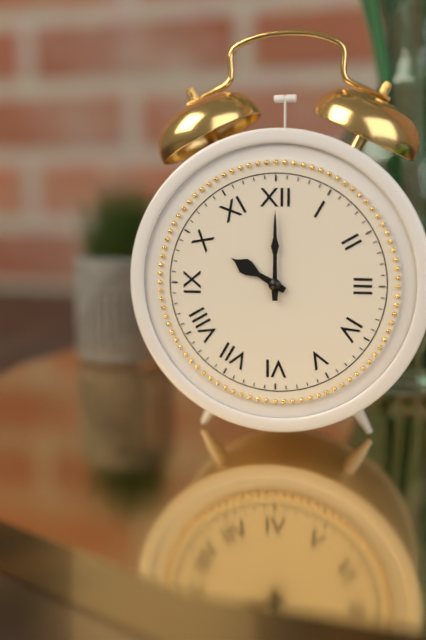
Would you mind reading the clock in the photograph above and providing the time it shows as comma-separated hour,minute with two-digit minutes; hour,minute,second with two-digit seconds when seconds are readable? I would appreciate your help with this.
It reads 10,00
